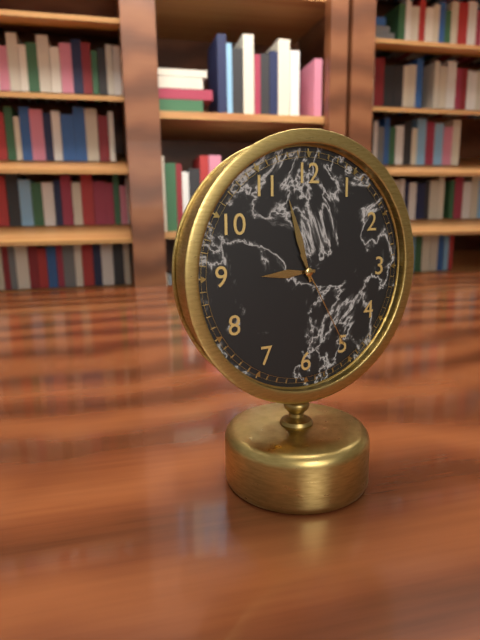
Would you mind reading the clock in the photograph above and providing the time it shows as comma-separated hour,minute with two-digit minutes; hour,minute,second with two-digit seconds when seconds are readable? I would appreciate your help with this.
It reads 8,57,25
